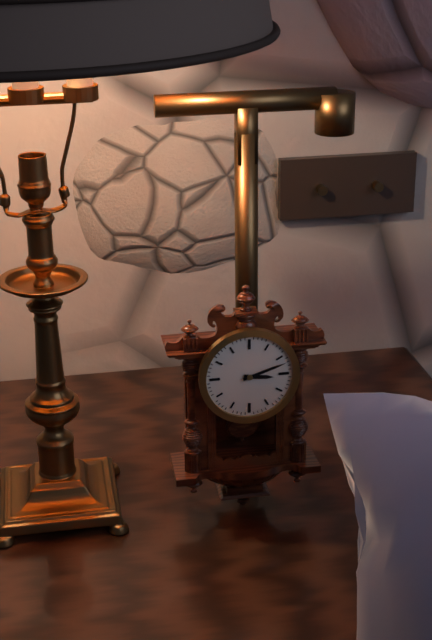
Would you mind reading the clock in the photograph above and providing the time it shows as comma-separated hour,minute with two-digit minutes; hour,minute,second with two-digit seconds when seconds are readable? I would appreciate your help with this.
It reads 3,12
